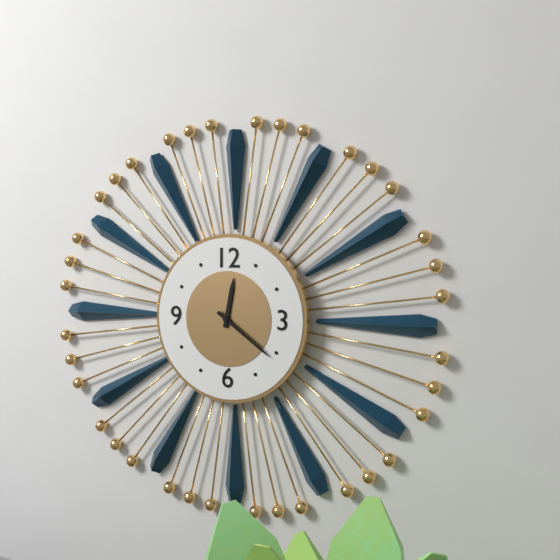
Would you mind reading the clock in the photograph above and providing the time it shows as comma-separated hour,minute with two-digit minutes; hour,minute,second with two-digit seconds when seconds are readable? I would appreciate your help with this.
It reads 12,21
